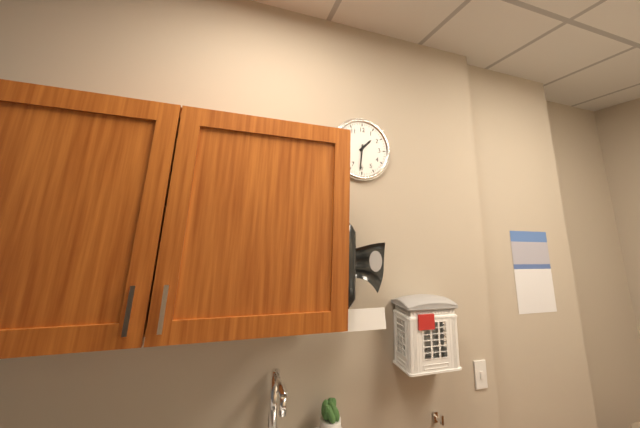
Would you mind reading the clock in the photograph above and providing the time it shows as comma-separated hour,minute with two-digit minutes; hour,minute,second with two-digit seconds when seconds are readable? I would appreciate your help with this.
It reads 1,31
